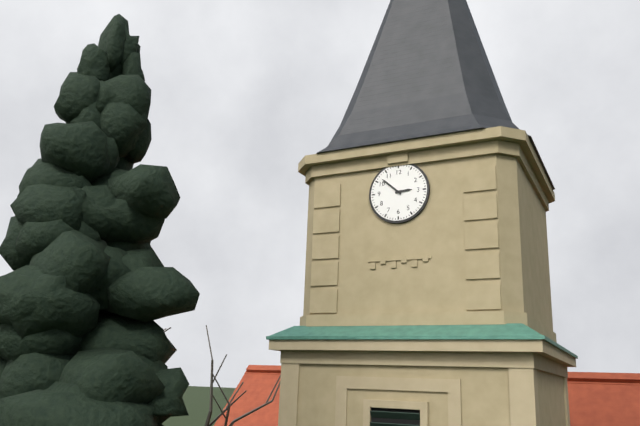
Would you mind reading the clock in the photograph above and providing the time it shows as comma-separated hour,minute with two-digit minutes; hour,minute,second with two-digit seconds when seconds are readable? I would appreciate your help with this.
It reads 2,52
